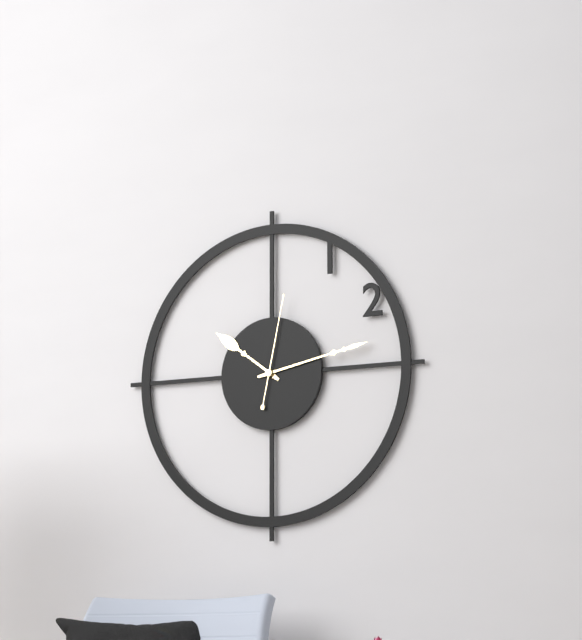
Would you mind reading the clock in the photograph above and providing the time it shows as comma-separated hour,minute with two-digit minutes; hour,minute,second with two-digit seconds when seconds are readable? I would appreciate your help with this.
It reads 10,13,02
